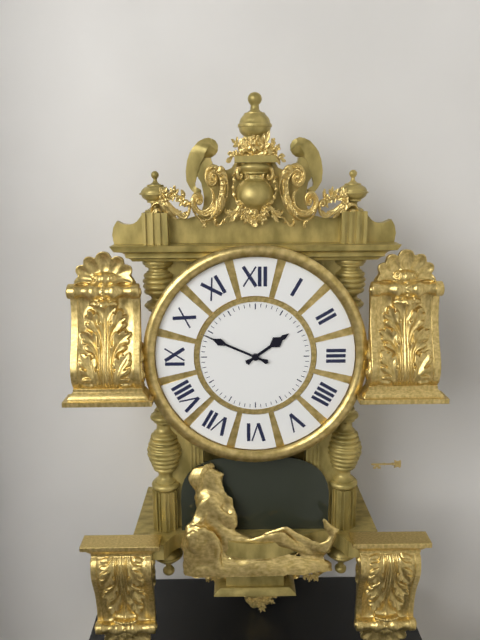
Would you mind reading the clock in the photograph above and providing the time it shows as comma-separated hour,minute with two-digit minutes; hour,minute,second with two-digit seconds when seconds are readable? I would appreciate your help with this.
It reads 1,49
